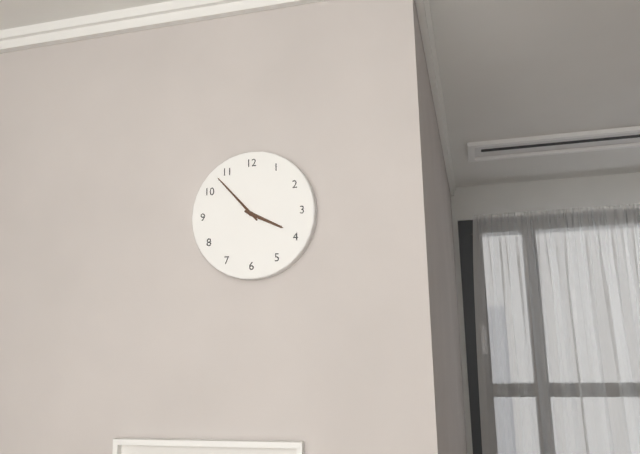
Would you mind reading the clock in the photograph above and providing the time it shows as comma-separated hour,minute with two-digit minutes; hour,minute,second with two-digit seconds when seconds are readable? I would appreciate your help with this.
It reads 3,53
